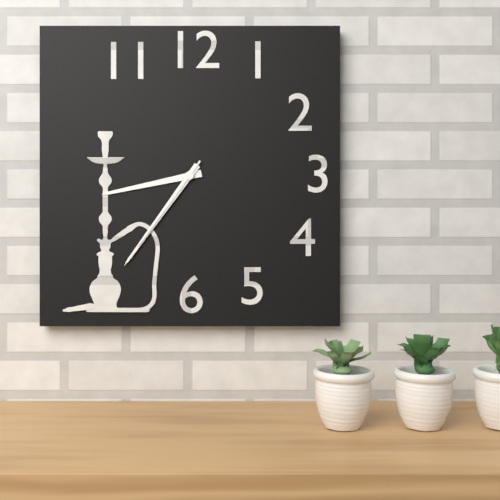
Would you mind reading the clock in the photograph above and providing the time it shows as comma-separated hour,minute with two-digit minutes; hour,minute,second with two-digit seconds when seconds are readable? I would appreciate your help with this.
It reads 8,36,36
